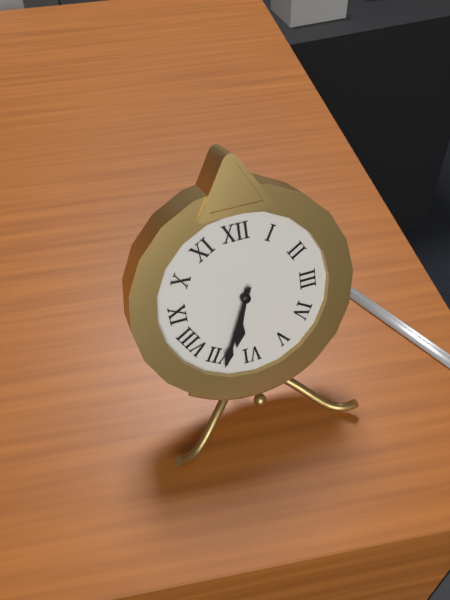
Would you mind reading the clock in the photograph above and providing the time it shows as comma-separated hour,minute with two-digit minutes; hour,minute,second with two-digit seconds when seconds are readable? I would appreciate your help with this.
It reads 6,34
